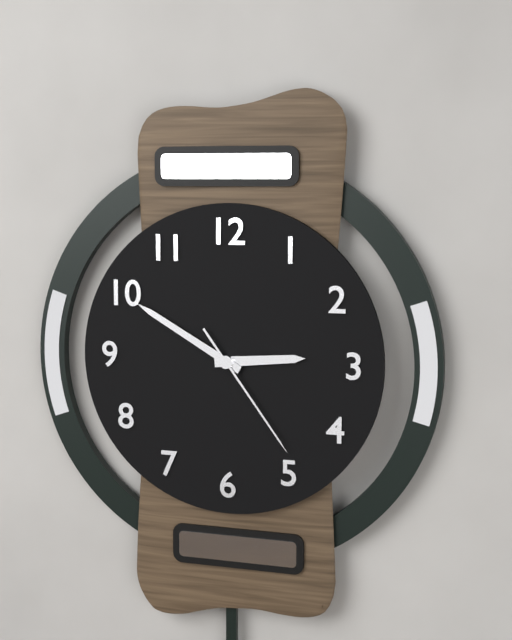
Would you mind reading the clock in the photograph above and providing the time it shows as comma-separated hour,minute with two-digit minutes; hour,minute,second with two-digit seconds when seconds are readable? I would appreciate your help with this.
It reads 2,50,24
